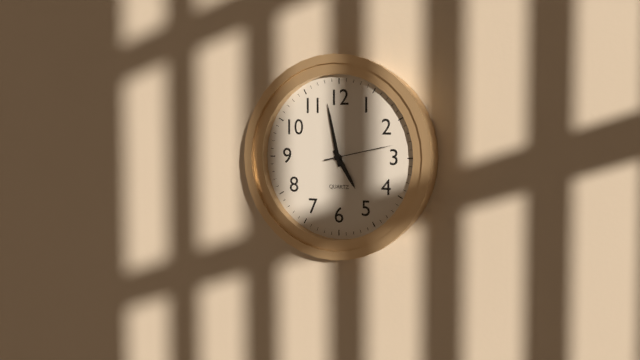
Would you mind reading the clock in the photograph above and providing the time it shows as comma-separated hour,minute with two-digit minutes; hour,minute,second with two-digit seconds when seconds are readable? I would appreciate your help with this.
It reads 4,58,13
